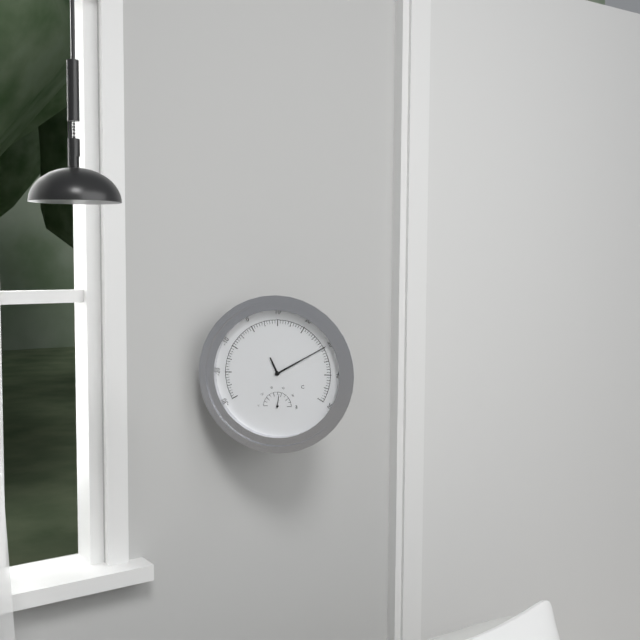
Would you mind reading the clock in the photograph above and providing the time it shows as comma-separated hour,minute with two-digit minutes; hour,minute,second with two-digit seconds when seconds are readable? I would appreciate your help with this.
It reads 11,10
